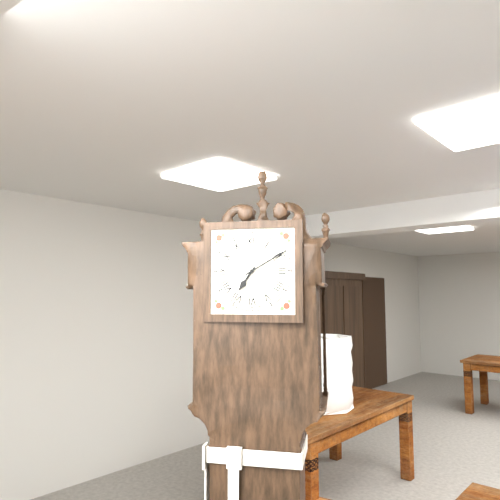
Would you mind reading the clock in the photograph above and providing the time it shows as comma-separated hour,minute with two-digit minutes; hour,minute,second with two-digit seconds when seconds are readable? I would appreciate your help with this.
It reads 7,10
